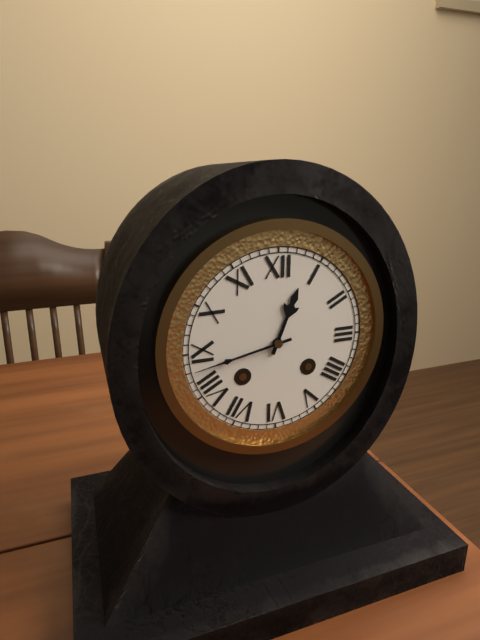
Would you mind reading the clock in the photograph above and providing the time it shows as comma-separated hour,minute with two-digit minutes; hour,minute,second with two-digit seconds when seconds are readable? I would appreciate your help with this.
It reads 12,43
